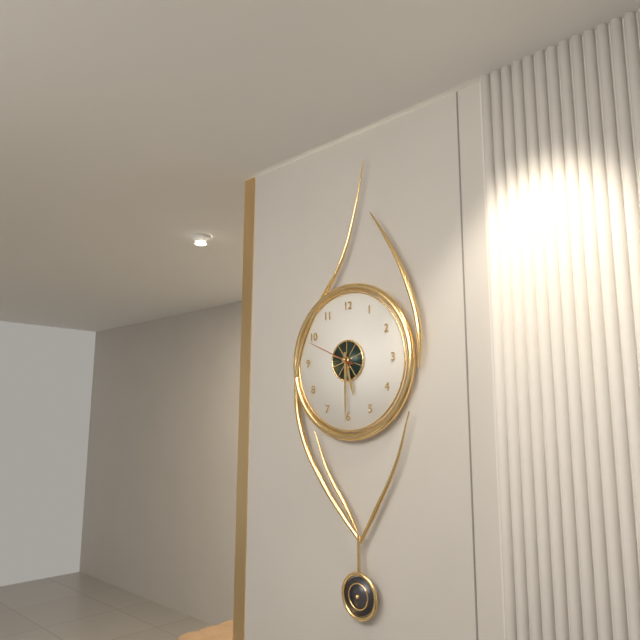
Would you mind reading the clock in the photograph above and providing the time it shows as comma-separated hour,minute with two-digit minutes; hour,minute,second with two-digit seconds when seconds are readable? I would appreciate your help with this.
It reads 5,30,49
